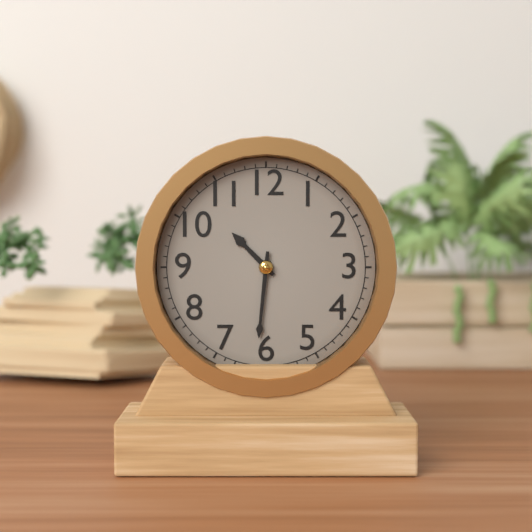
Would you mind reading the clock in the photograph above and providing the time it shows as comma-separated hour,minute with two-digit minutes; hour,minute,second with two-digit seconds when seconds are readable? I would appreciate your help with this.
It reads 10,31
